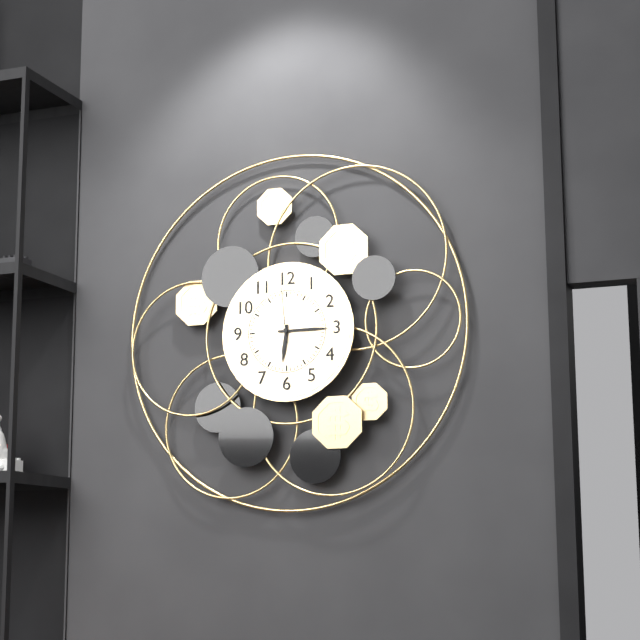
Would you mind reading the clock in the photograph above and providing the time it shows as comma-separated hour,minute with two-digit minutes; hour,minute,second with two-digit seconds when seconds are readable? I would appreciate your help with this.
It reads 6,15,59
